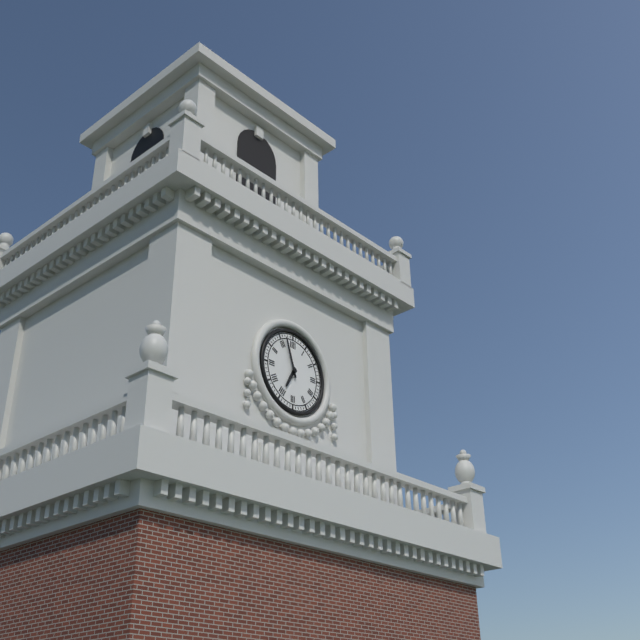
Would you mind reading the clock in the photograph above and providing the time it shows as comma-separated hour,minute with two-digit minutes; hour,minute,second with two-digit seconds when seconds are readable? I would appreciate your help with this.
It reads 6,57
